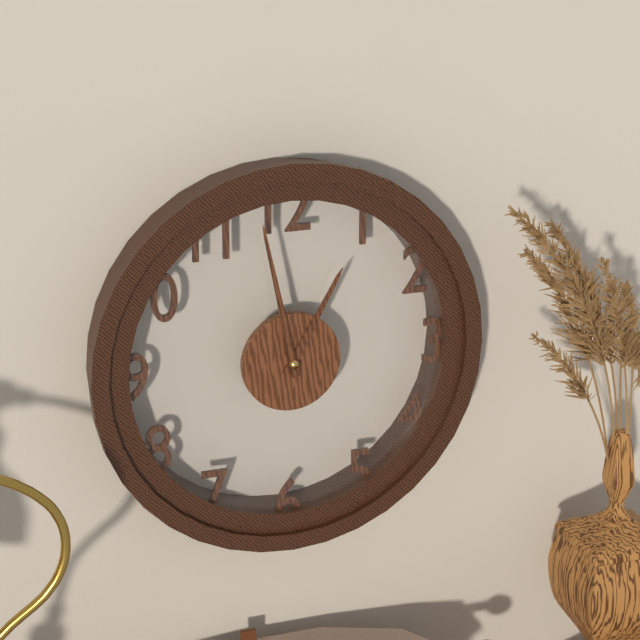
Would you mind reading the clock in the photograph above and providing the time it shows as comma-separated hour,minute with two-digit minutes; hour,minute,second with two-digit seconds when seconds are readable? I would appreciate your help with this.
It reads 12,58
